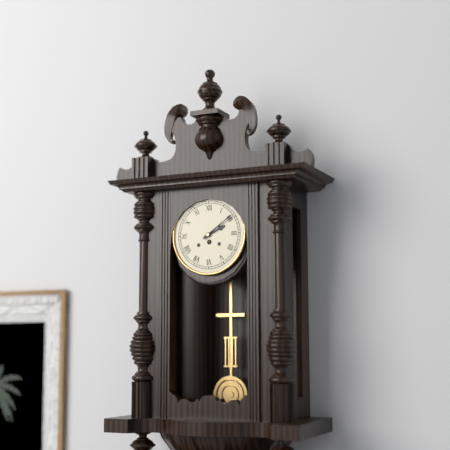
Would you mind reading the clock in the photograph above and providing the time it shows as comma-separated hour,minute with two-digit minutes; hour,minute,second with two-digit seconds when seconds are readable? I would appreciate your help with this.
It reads 2,09
